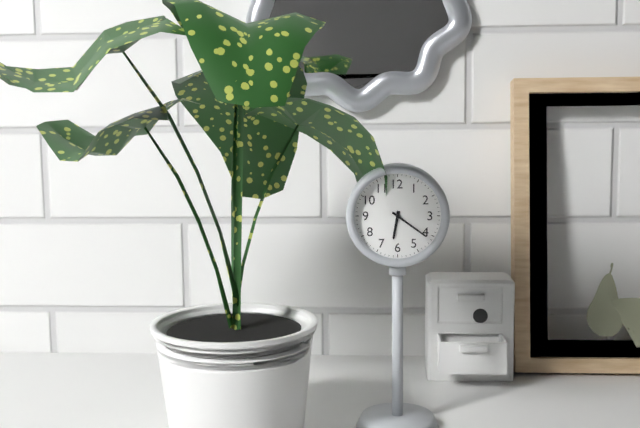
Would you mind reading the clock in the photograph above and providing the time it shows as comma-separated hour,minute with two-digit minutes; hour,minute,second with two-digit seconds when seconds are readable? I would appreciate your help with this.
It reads 6,21
